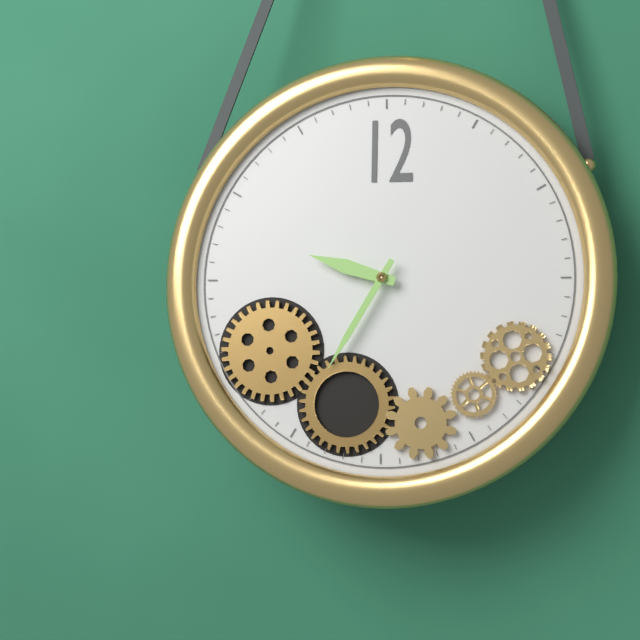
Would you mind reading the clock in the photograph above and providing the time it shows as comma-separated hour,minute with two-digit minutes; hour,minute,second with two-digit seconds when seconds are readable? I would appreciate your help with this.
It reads 9,35
